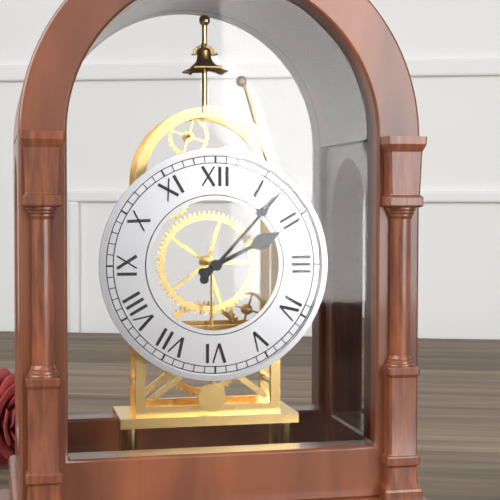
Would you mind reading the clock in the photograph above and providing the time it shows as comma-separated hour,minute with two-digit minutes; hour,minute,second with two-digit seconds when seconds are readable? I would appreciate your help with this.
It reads 2,07
